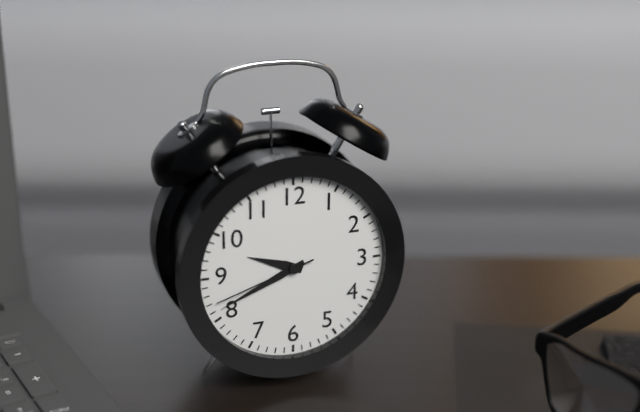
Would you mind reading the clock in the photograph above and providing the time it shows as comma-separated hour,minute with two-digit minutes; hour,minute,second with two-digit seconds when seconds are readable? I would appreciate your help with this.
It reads 9,41,42
